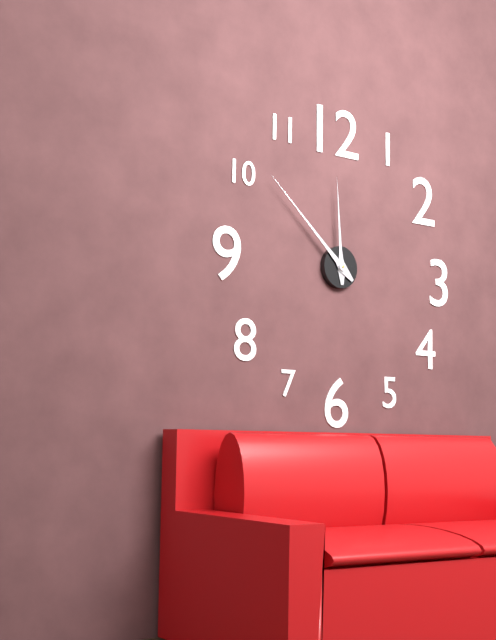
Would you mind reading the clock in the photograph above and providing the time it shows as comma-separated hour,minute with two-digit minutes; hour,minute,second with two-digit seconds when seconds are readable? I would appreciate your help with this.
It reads 11,52
